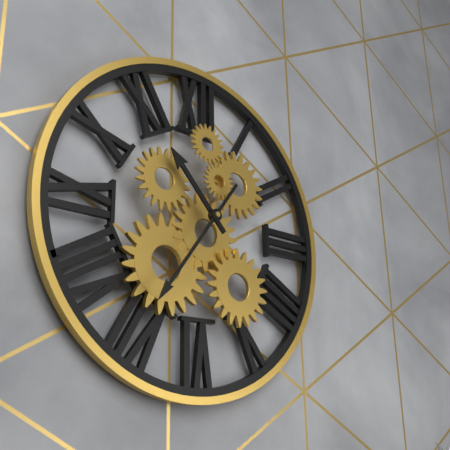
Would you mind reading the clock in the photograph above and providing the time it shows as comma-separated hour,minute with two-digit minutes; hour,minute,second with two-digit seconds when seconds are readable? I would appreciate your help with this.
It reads 10,36
